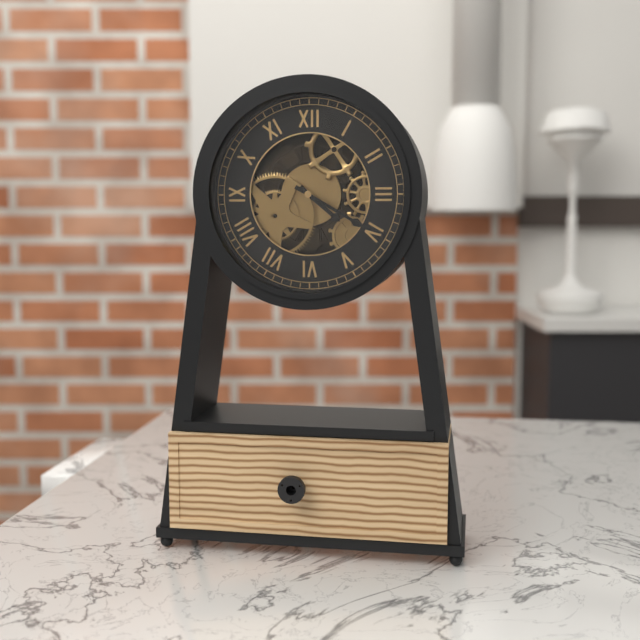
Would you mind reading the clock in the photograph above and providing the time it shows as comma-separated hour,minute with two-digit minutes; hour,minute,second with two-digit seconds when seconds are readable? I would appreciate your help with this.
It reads 4,20
